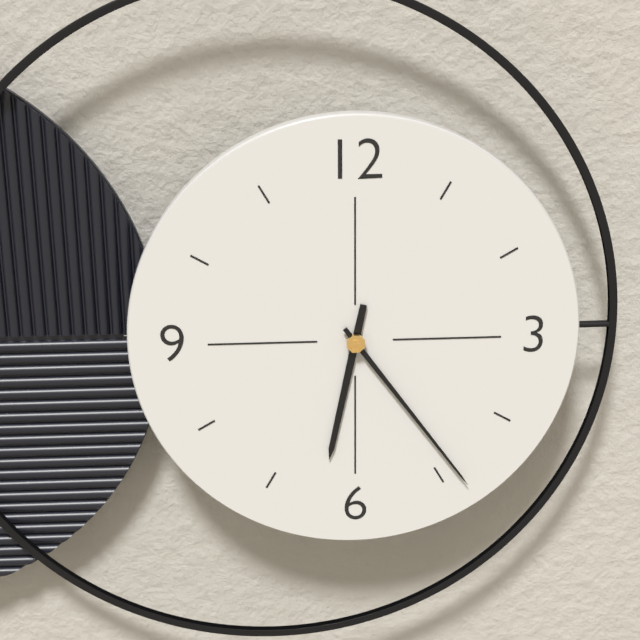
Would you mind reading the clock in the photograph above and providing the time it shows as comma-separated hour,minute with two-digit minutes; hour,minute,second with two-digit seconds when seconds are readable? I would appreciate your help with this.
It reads 6,24
